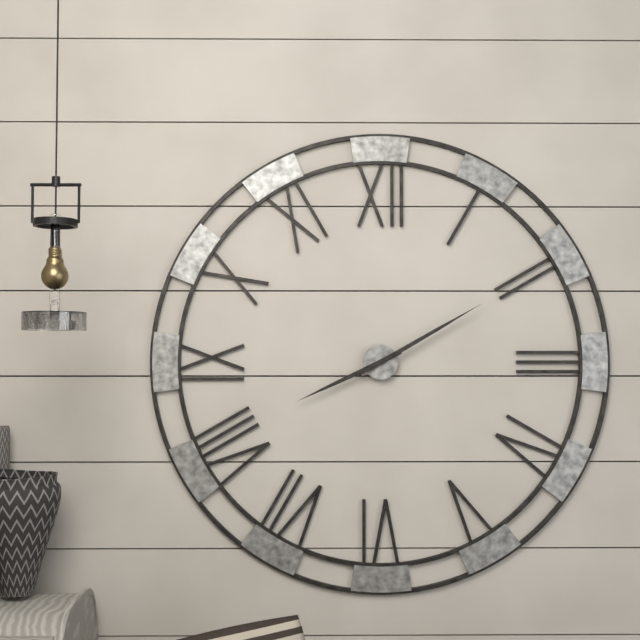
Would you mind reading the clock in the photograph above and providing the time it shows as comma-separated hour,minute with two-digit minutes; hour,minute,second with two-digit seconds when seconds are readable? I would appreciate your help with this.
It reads 8,10
